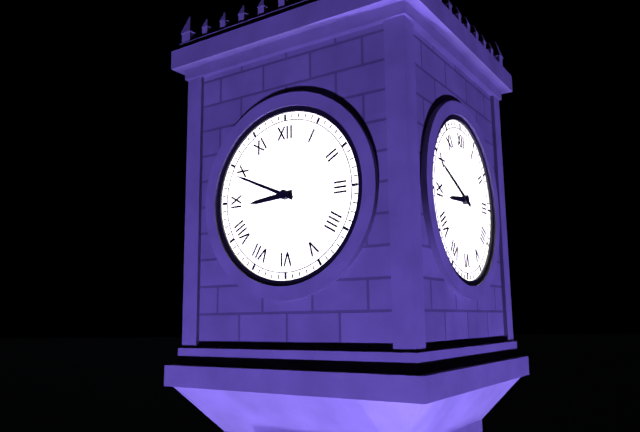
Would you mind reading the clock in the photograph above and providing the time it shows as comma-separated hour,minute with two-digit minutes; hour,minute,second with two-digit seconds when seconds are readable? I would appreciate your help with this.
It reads 8,49
